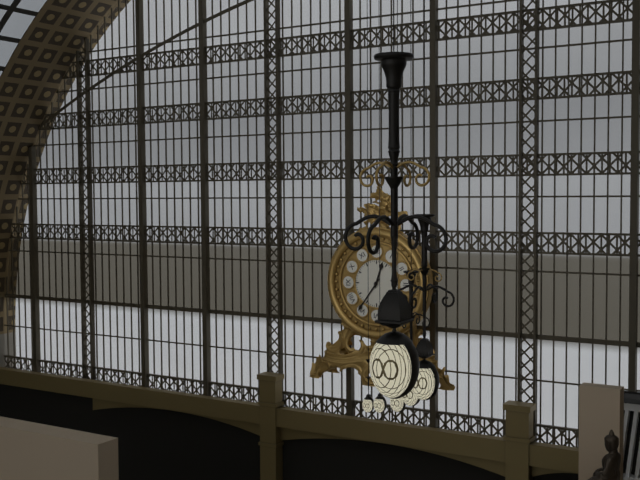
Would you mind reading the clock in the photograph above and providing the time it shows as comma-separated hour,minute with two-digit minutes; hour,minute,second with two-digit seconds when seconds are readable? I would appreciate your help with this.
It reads 12,36
